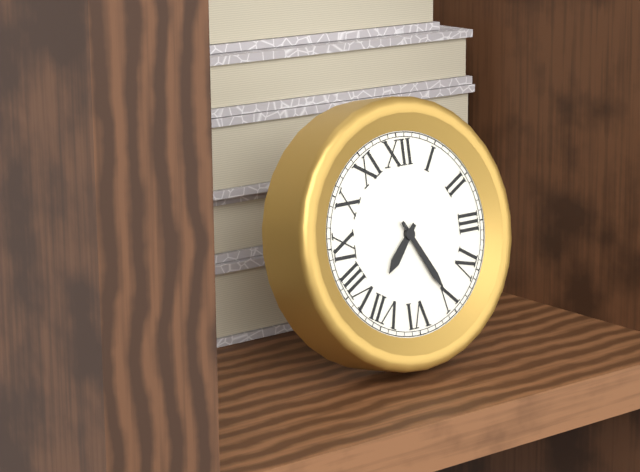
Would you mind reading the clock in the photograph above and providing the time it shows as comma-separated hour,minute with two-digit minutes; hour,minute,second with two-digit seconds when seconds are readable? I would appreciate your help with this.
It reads 7,25
